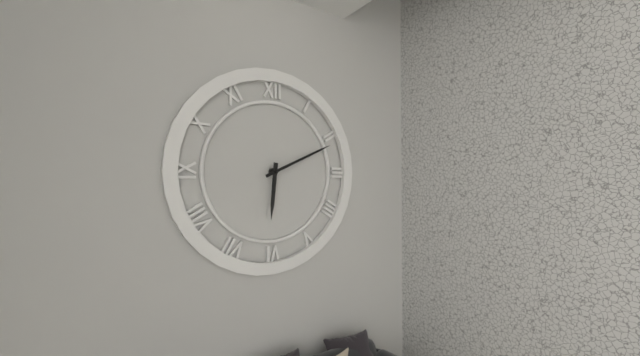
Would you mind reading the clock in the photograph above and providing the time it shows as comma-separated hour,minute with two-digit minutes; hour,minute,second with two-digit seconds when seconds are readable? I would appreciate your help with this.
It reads 6,11
